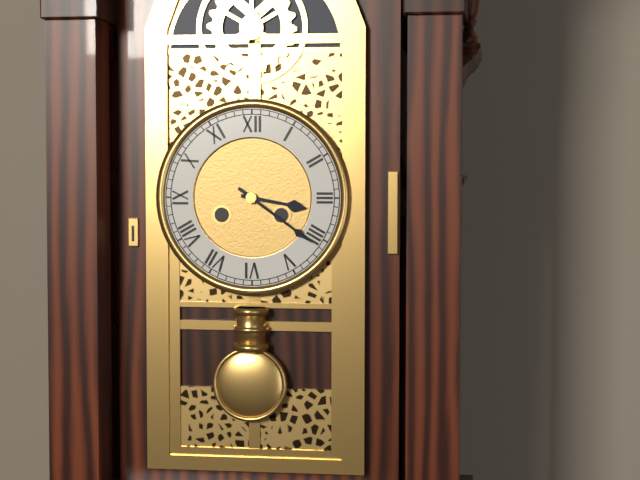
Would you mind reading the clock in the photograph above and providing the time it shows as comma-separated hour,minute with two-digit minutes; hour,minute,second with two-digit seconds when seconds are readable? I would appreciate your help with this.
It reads 3,21
